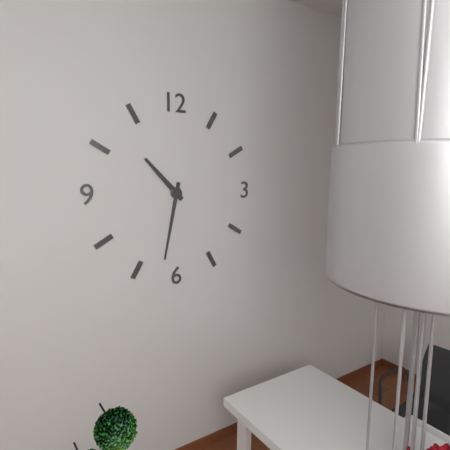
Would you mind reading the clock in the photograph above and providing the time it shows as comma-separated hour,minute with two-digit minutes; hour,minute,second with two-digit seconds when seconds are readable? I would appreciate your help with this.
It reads 10,32
